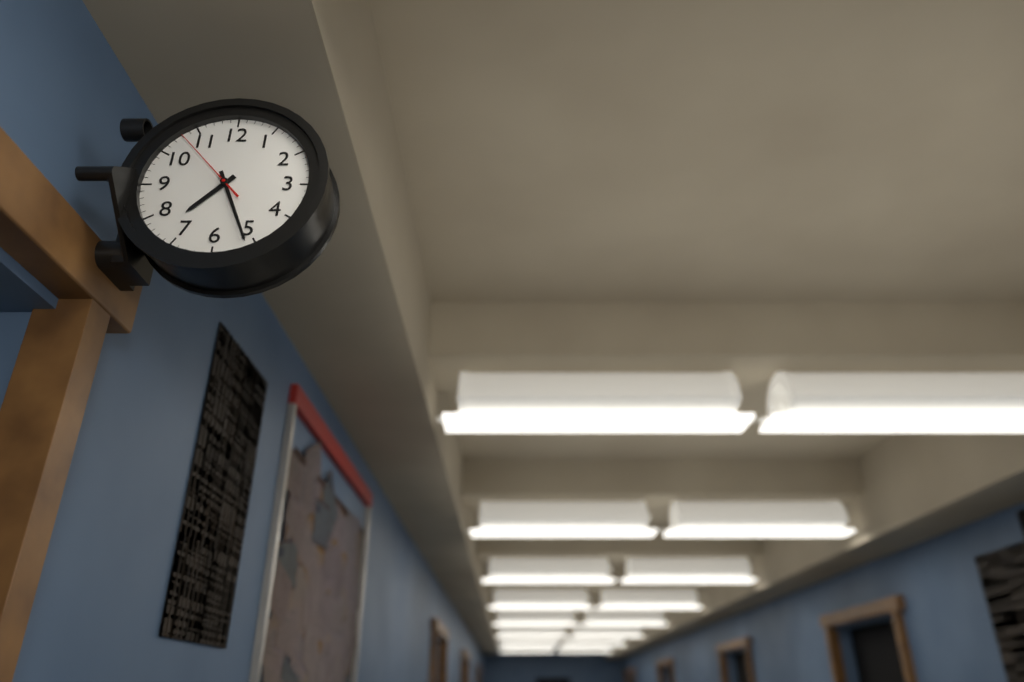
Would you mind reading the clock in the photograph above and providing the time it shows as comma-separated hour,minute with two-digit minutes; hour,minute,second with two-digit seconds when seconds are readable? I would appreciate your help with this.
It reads 7,26,53
